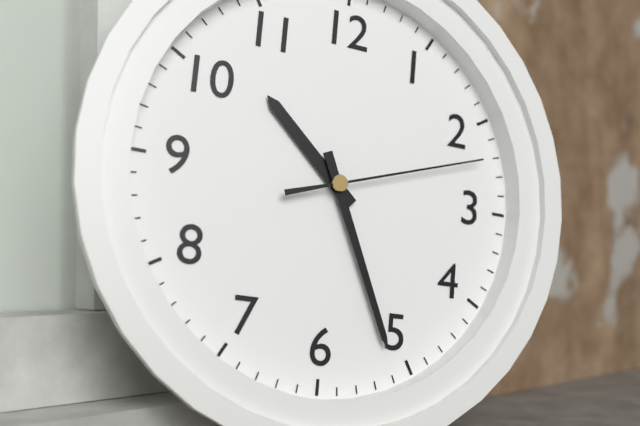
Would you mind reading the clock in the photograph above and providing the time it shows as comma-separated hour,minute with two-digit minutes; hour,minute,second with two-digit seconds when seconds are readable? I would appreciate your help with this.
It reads 10,26,12
